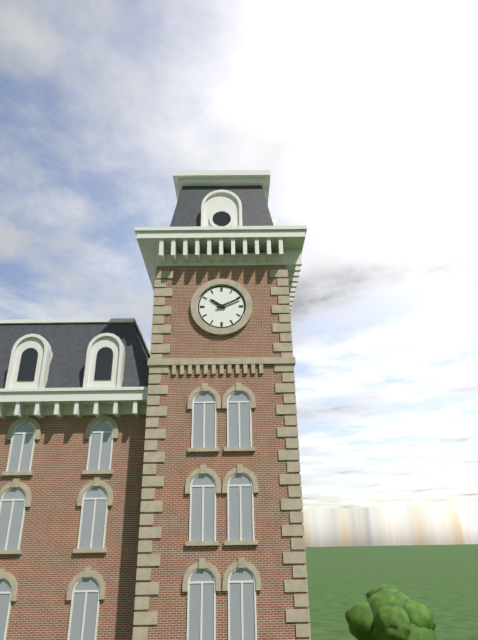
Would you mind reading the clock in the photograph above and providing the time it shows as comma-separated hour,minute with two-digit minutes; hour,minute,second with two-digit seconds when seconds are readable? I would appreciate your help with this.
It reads 10,11
